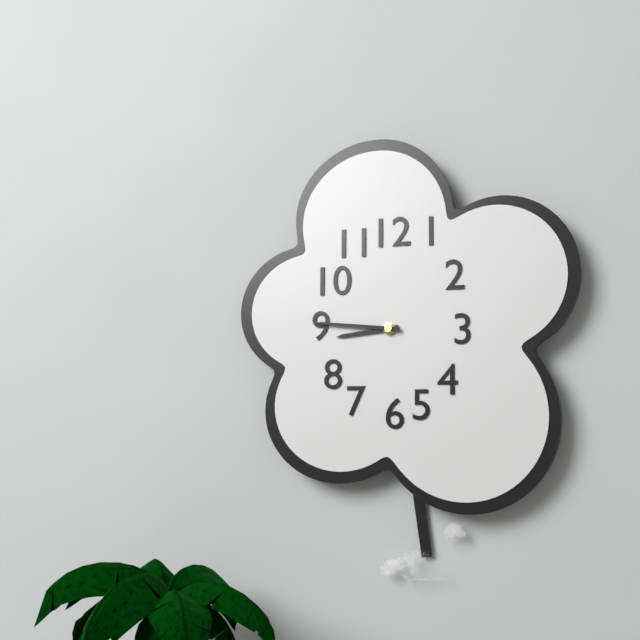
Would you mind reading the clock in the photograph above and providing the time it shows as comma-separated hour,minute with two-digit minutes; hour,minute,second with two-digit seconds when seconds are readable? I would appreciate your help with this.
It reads 8,46
